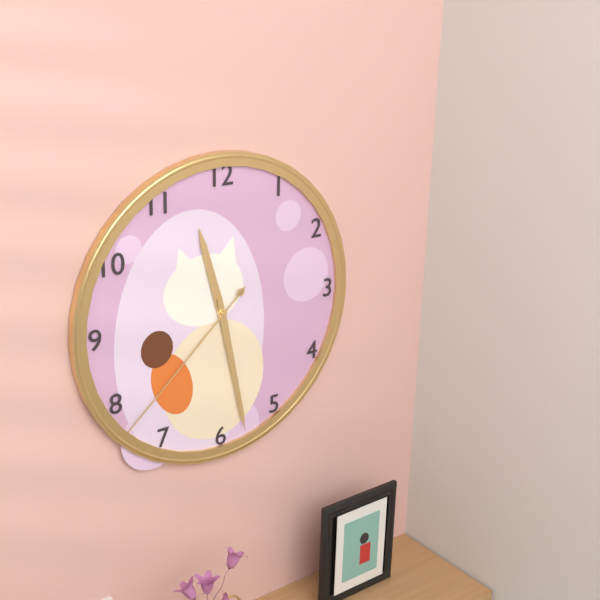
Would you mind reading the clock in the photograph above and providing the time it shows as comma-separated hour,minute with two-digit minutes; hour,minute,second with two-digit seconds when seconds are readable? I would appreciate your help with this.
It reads 11,28,38
